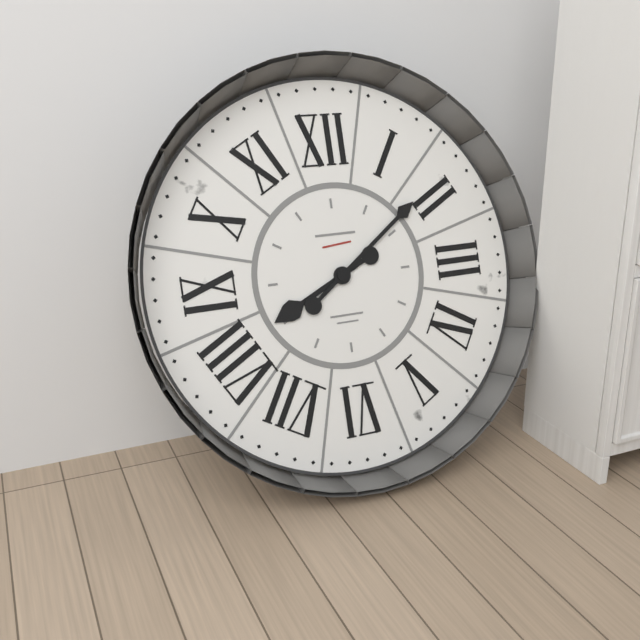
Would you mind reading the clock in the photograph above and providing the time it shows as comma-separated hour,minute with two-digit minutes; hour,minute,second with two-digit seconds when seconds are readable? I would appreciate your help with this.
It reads 8,09
